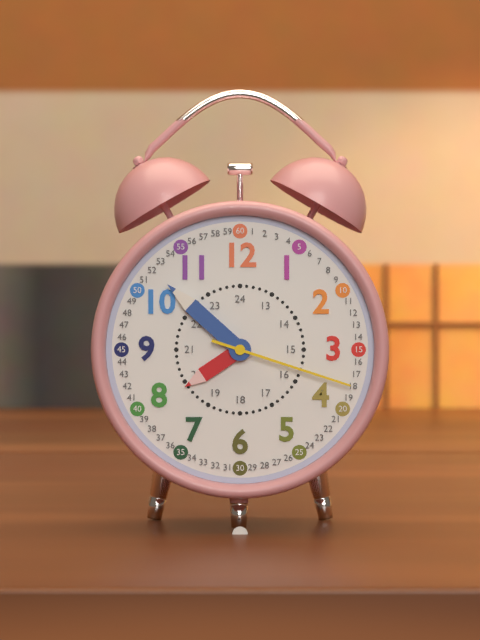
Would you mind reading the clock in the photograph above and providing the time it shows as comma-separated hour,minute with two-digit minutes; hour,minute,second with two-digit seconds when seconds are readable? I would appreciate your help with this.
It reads 7,52,18
